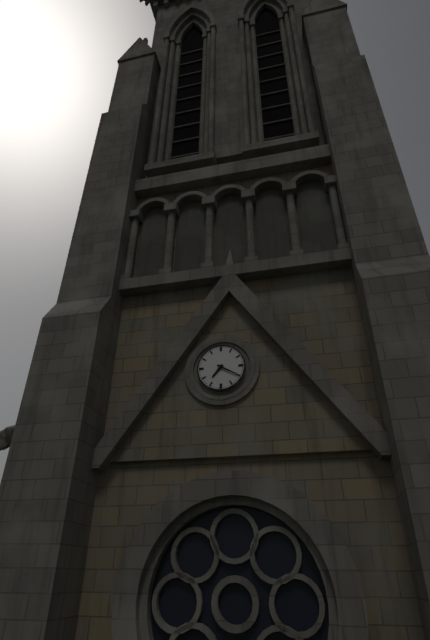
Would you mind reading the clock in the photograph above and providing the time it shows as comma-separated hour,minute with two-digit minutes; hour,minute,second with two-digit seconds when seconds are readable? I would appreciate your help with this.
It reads 7,20
